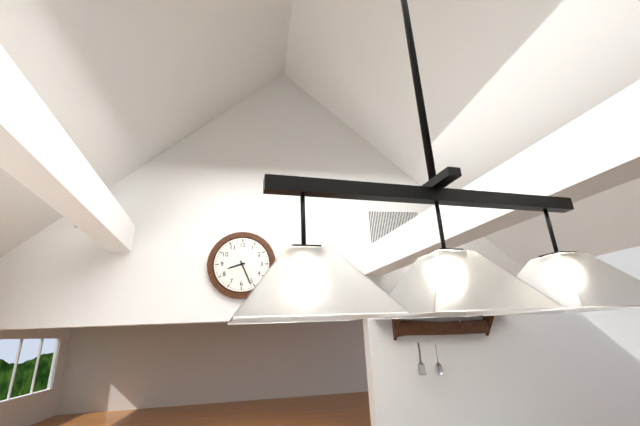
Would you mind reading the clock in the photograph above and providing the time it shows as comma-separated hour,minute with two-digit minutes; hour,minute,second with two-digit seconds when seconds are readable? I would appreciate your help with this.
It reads 8,26
